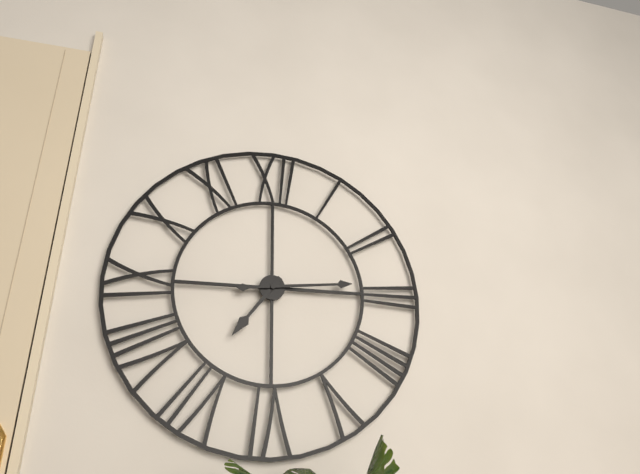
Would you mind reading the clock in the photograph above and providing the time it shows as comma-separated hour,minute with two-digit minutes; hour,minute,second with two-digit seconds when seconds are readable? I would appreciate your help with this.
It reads 7,14
